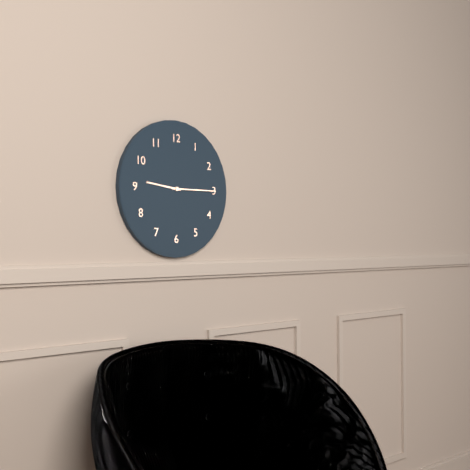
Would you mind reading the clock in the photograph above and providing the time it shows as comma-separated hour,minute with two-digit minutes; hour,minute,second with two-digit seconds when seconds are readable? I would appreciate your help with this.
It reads 9,15
